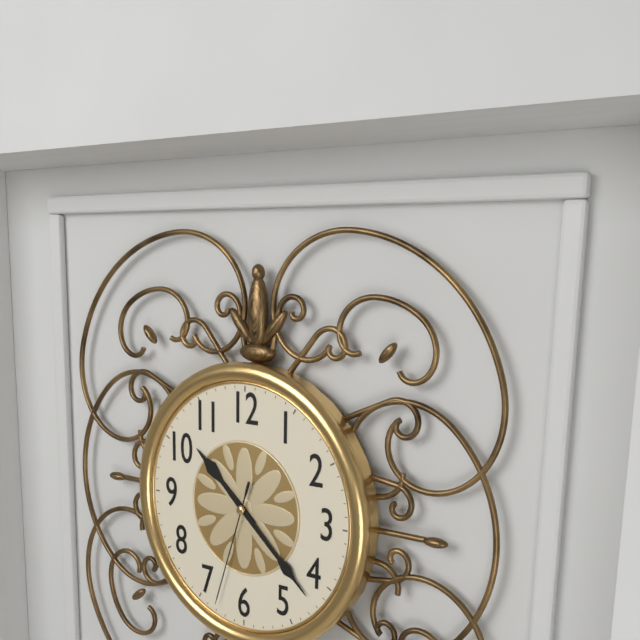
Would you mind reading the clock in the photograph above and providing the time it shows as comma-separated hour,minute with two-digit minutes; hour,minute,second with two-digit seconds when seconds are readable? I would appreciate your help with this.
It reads 10,22,33
